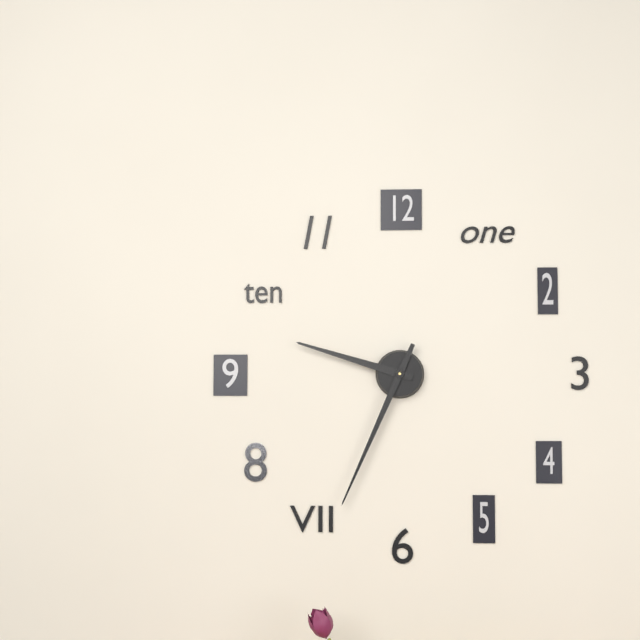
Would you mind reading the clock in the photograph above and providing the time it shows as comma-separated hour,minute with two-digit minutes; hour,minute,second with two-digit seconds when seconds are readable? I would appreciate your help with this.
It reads 9,34
